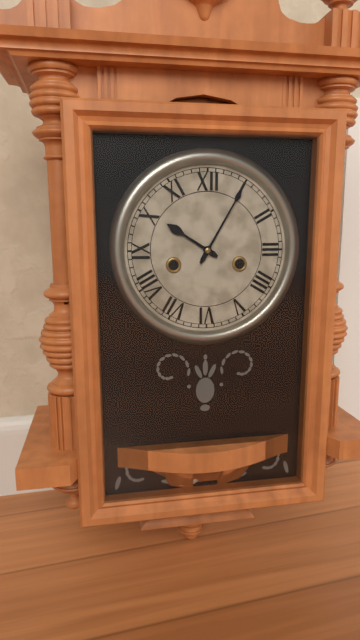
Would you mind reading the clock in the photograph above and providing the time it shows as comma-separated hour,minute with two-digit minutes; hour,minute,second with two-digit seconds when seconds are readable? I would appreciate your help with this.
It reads 10,05
